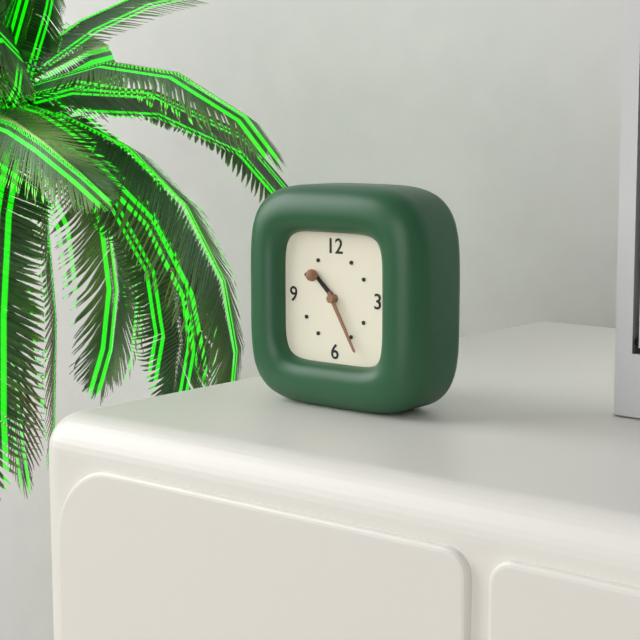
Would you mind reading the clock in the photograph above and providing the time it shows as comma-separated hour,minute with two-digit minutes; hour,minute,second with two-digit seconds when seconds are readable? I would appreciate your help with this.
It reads 10,25
